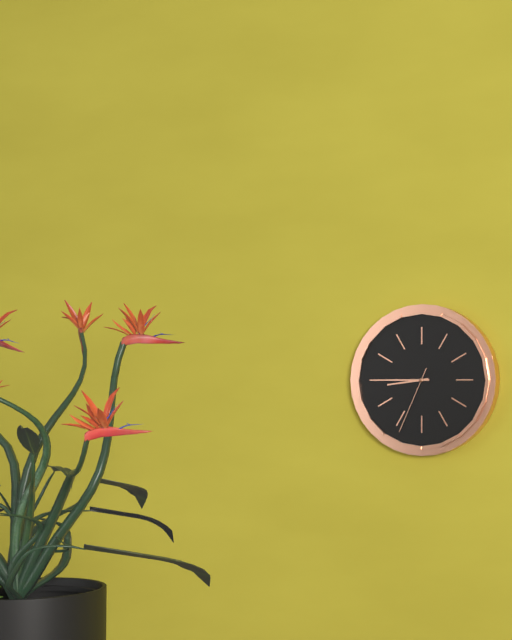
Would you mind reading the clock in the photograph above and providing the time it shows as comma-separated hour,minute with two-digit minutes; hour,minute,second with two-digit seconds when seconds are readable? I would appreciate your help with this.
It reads 8,45,34
